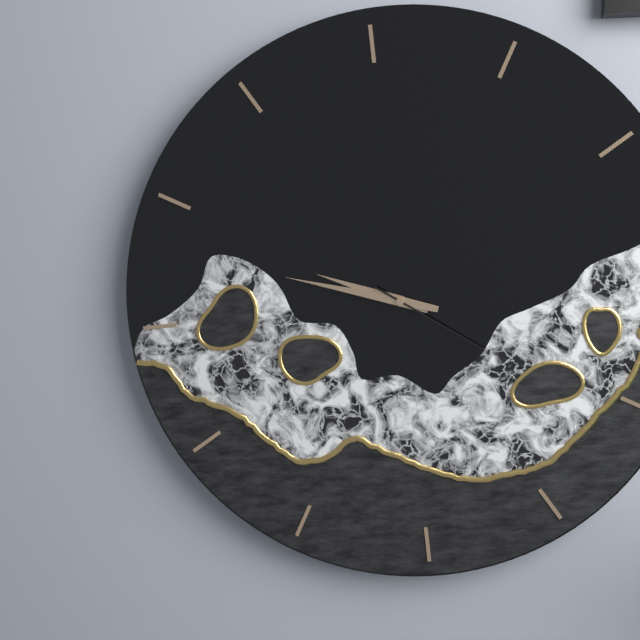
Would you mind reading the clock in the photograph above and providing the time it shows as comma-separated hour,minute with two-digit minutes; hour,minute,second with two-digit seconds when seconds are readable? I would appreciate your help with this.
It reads 9,48,21
